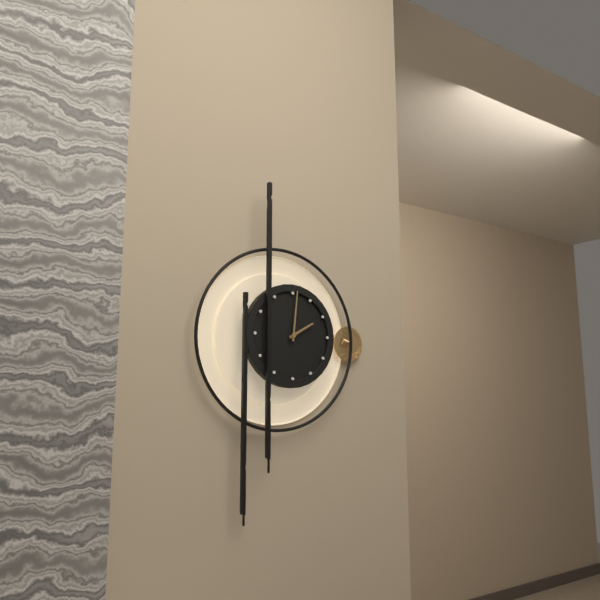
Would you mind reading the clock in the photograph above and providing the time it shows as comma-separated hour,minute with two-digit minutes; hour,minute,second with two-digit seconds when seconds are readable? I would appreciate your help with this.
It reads 2,01
